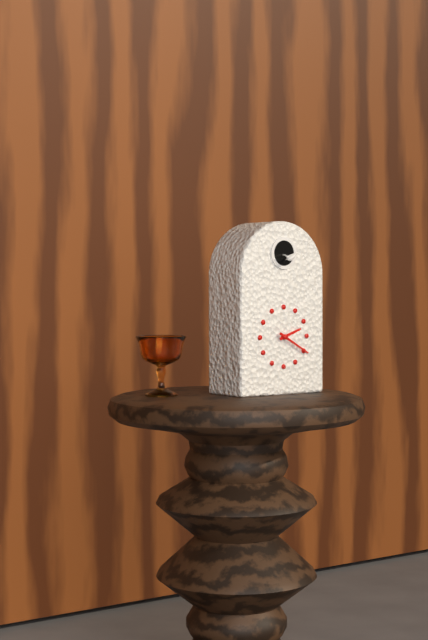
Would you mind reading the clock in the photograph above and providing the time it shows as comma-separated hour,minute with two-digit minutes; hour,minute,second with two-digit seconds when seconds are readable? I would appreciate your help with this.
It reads 2,20
